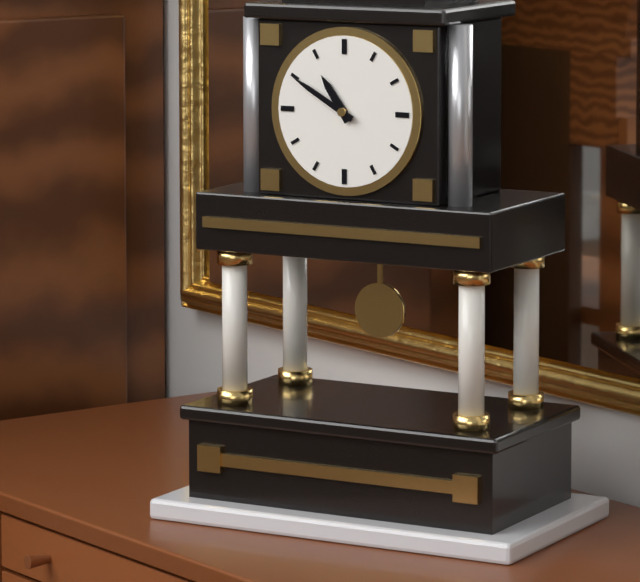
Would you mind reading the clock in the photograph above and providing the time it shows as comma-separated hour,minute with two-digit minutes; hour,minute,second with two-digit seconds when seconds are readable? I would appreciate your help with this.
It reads 10,50
